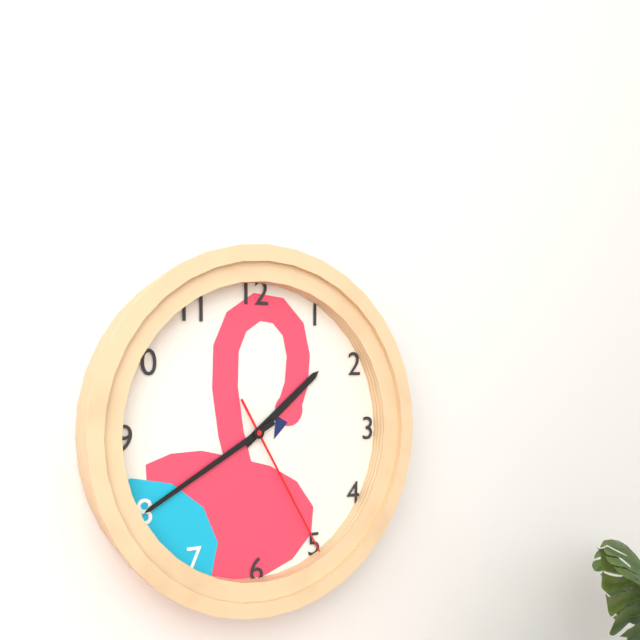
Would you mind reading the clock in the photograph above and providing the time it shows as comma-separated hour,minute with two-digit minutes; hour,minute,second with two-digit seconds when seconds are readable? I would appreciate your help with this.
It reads 1,40,25
